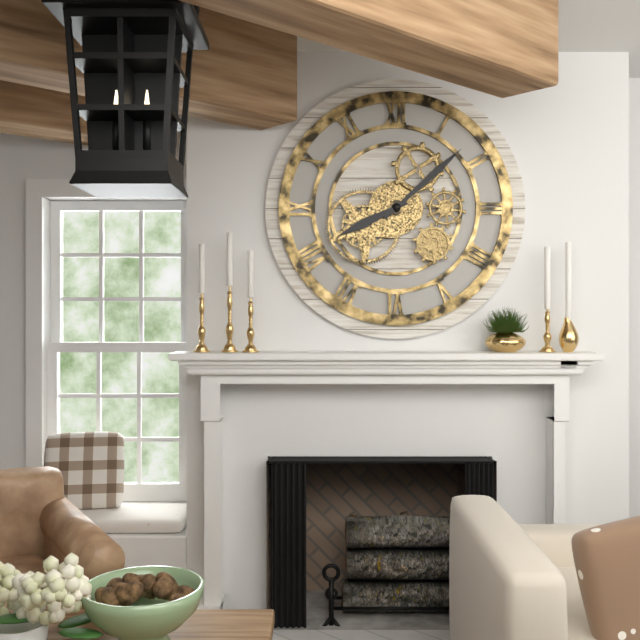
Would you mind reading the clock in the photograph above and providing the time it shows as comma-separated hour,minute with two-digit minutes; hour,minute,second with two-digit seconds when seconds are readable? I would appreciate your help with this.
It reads 8,08
